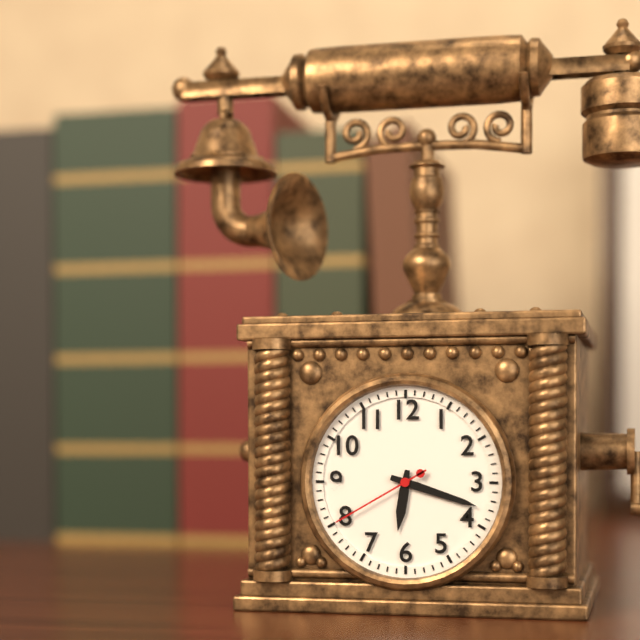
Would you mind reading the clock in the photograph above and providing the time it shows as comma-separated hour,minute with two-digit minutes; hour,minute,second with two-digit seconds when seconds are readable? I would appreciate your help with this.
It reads 6,18,40
